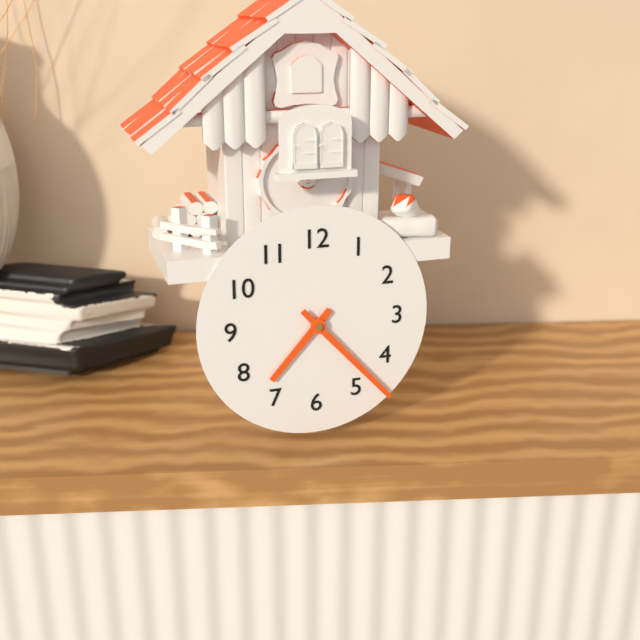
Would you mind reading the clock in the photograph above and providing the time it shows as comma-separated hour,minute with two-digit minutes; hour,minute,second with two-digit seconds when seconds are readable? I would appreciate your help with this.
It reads 7,23
